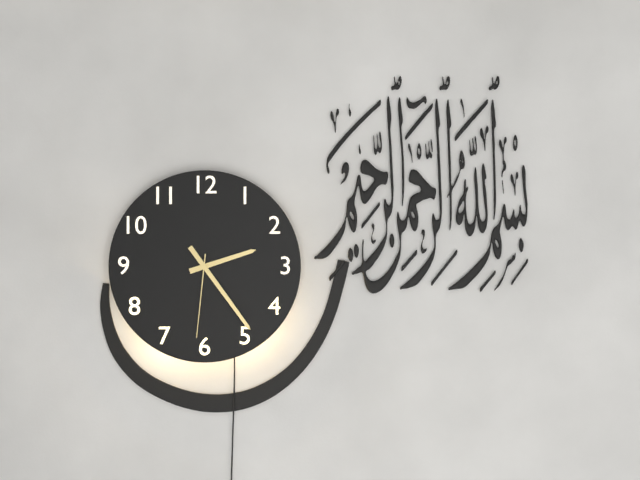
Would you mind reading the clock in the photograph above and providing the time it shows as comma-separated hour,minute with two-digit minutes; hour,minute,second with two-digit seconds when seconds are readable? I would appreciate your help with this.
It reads 2,24,31
